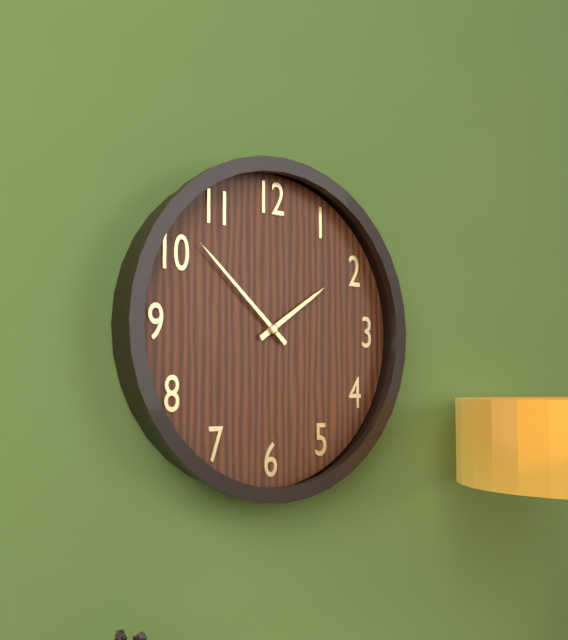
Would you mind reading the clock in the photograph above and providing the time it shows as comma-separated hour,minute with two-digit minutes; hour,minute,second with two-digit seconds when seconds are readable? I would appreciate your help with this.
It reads 1,52
